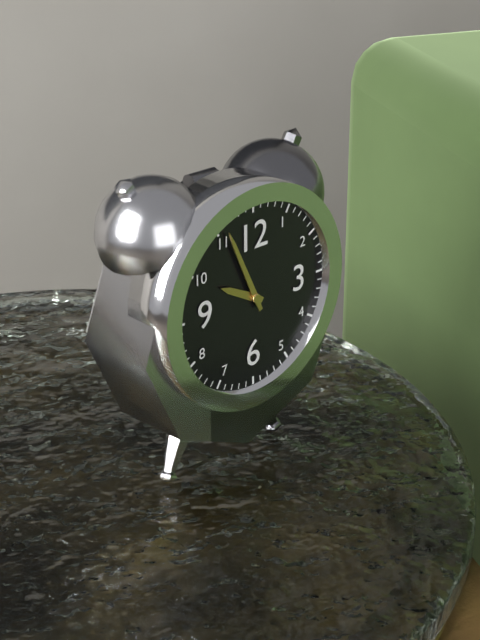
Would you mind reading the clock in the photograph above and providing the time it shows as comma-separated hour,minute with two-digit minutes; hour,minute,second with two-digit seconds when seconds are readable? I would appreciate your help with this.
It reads 9,56
